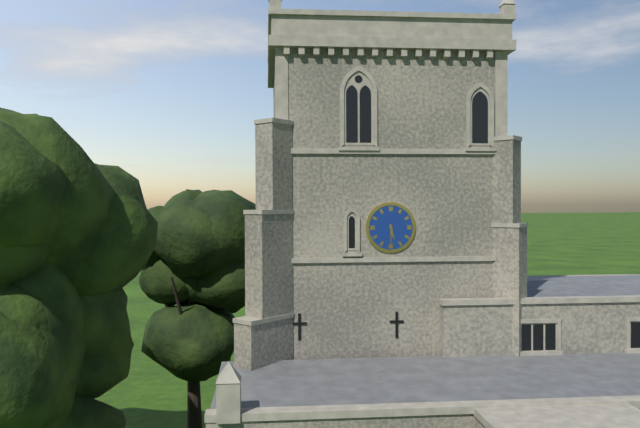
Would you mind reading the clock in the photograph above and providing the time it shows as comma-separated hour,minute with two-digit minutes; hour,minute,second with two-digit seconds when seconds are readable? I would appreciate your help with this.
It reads 5,30
